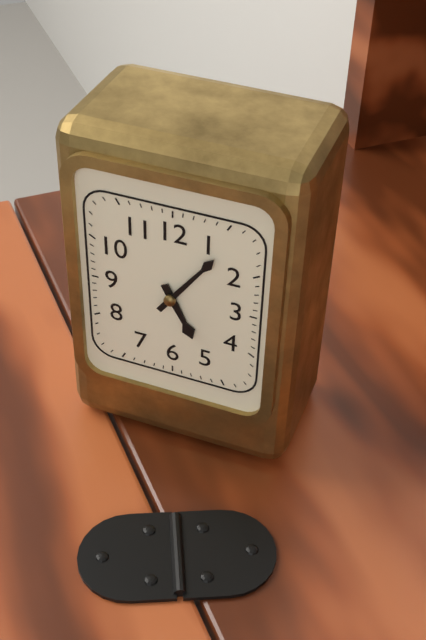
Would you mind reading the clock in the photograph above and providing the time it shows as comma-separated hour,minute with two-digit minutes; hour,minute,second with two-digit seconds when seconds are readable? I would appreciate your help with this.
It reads 5,06
